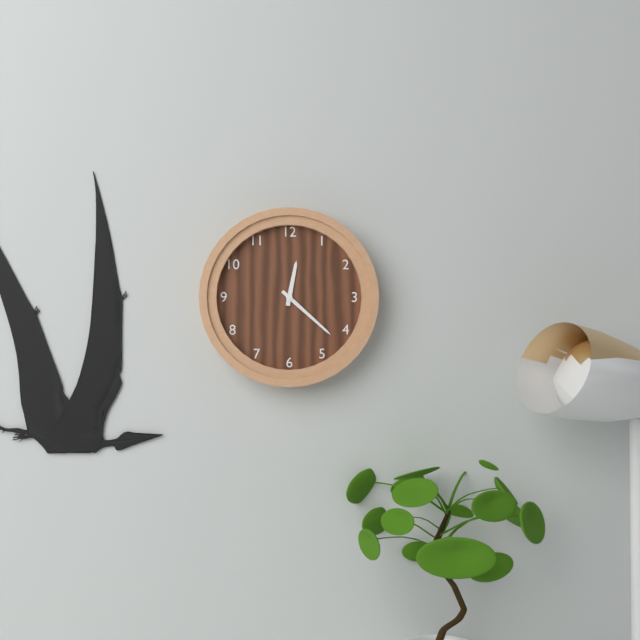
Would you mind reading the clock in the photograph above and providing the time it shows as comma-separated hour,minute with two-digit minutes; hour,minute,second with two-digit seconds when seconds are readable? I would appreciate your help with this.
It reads 12,22
